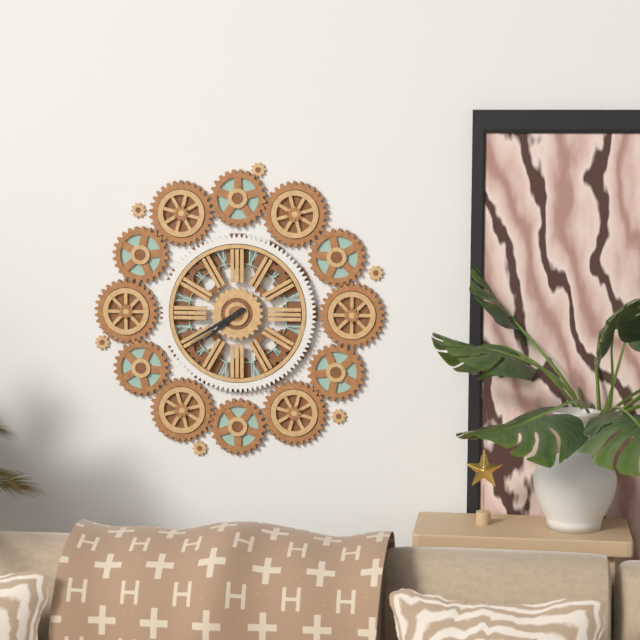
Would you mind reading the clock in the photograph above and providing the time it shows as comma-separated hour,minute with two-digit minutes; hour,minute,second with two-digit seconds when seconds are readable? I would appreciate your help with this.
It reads 7,40
